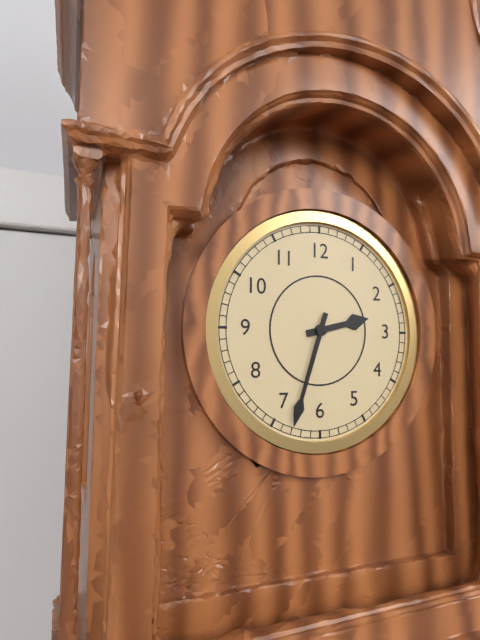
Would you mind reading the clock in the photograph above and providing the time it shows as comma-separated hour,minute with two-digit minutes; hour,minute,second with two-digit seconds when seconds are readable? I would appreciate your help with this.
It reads 2,33
